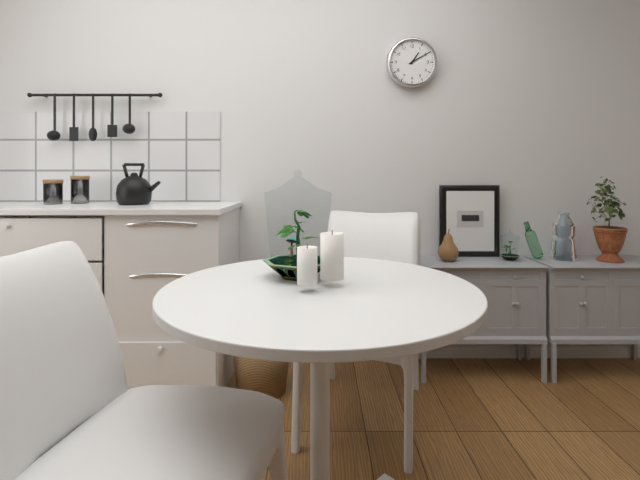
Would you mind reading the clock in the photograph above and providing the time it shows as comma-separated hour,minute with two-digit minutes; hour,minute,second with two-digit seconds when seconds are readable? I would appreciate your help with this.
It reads 1,10
